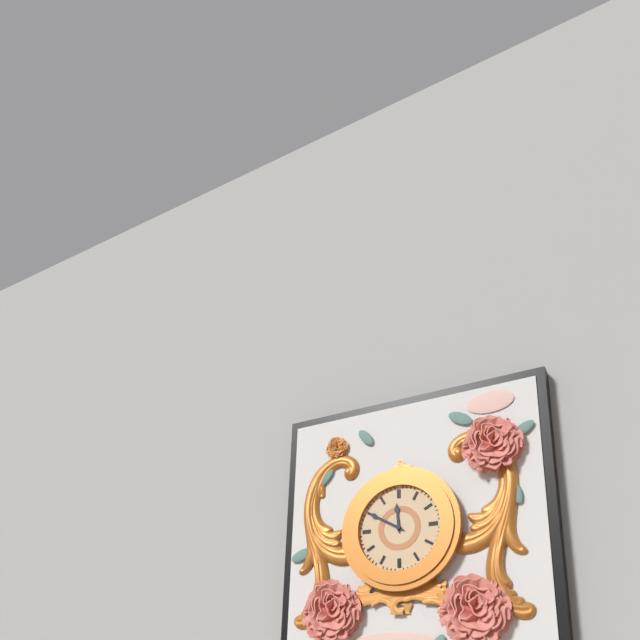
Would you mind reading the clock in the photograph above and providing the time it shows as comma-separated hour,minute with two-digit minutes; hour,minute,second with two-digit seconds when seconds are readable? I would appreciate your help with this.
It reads 11,50
